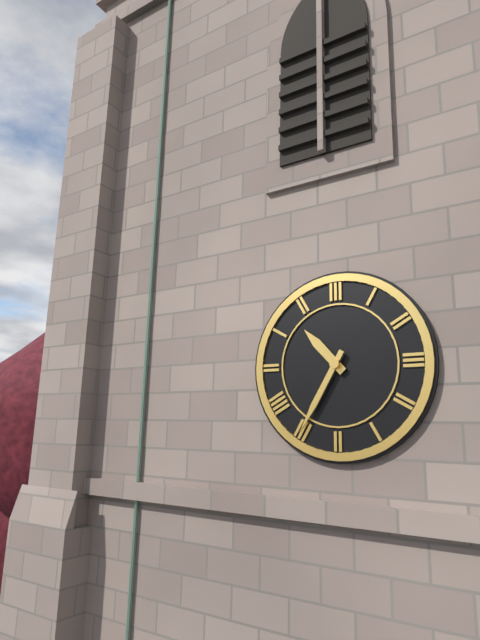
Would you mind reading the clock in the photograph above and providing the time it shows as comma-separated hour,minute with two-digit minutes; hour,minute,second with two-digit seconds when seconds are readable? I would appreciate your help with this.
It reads 10,35
